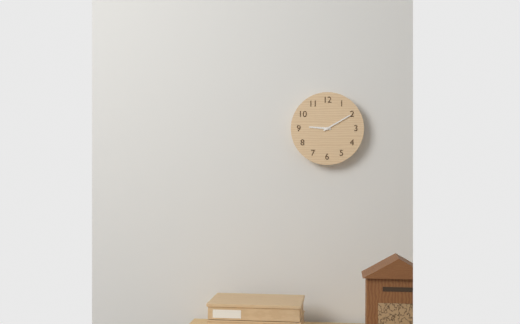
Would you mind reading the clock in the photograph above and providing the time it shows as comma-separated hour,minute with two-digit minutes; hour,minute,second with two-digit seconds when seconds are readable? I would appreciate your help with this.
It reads 9,10
